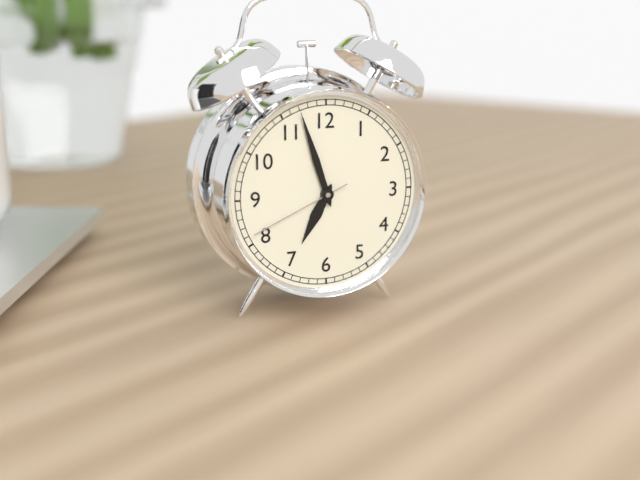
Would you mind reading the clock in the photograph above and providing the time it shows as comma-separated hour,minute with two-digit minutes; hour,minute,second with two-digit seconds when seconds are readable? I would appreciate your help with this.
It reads 6,57,41
